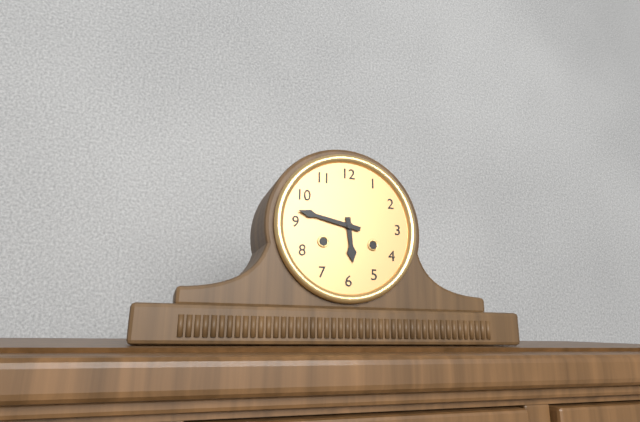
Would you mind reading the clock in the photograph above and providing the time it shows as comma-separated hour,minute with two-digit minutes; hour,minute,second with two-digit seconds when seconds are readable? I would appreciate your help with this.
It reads 5,47
